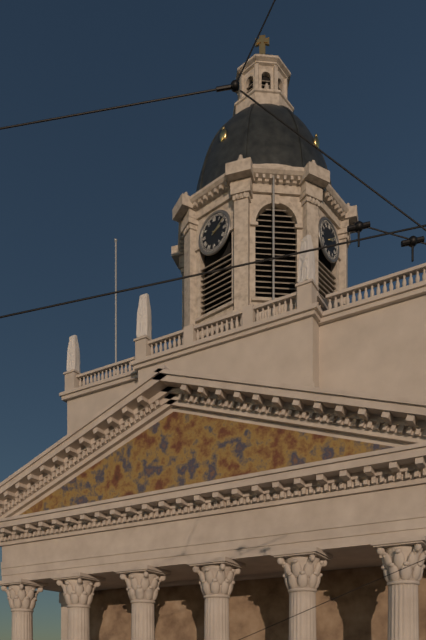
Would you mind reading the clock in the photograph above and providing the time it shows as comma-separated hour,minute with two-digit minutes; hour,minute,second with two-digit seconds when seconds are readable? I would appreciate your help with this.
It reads 2,09
